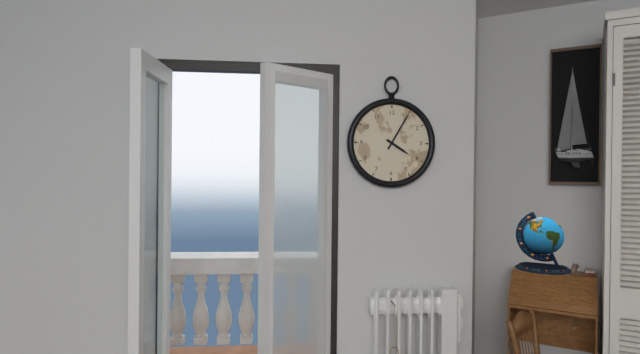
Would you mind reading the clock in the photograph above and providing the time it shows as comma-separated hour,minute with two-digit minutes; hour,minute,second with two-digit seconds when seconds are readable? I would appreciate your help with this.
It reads 4,05
